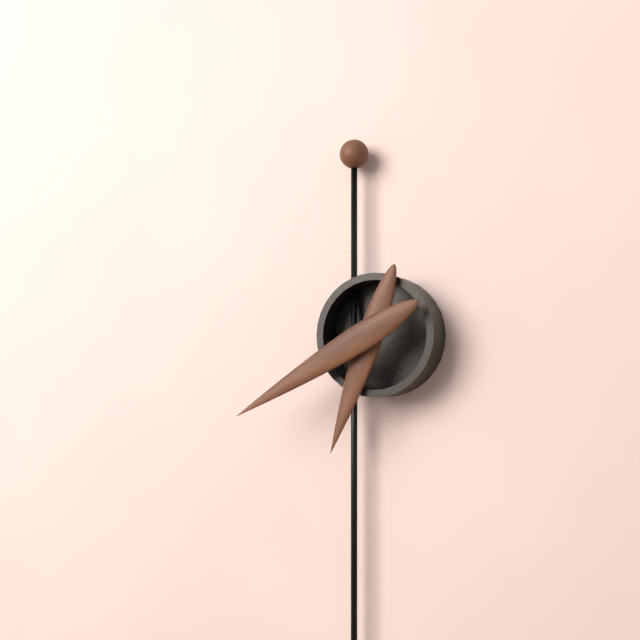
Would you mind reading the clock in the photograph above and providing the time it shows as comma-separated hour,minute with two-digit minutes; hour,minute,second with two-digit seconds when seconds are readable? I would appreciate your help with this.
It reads 6,40
